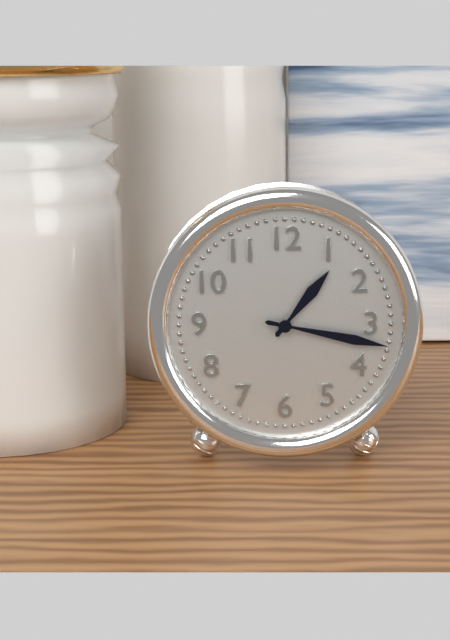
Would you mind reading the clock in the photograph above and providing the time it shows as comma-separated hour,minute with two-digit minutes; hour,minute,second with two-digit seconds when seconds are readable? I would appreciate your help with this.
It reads 1,17
